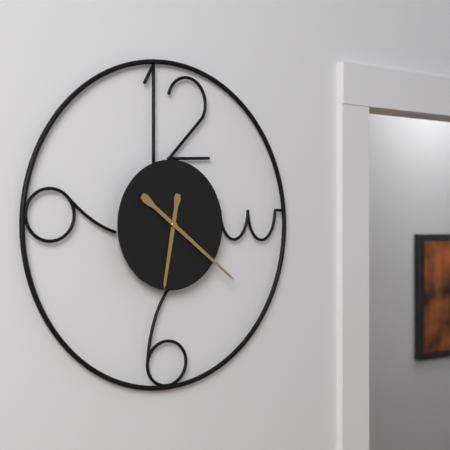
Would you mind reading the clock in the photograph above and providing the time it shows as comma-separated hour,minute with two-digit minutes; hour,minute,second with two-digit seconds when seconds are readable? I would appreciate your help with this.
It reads 6,21
